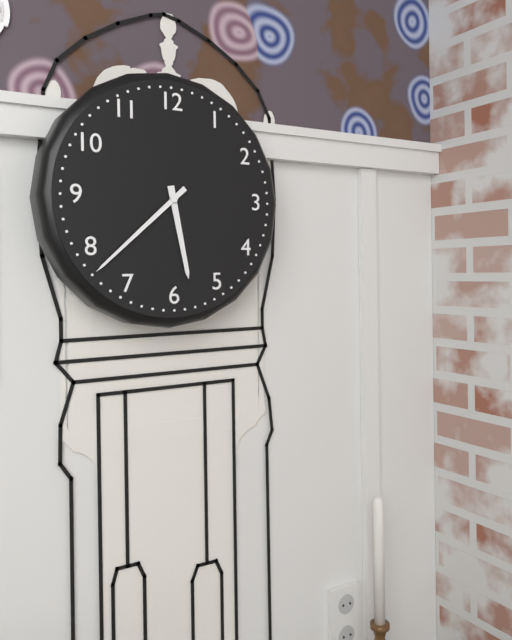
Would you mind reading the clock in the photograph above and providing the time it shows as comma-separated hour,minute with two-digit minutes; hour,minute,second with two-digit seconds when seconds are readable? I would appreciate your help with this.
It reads 5,38
